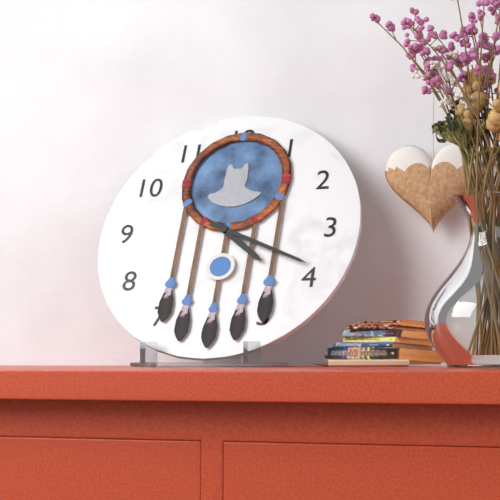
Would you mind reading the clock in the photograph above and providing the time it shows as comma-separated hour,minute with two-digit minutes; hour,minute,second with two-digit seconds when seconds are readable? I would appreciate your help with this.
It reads 4,19
